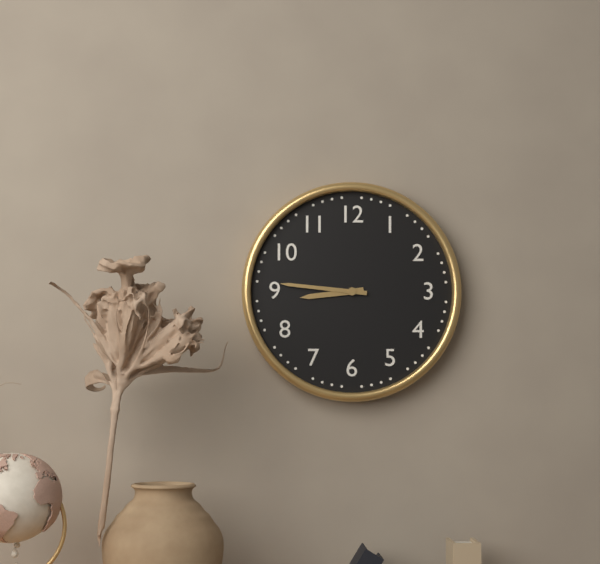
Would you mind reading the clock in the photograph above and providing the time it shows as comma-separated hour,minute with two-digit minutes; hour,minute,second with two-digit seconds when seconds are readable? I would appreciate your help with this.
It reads 8,46
